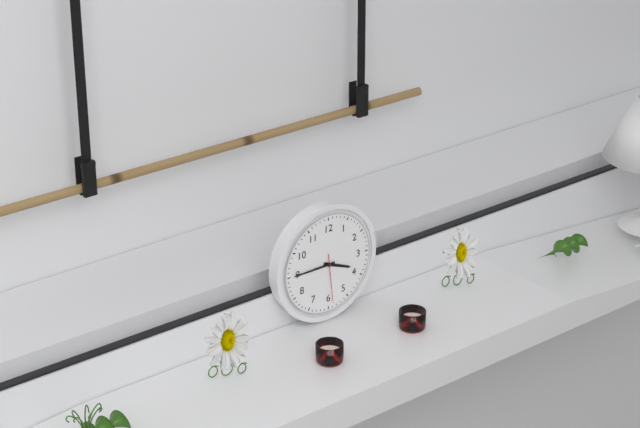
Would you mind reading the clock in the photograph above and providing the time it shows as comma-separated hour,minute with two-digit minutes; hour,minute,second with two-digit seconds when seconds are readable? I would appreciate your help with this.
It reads 3,45,29
